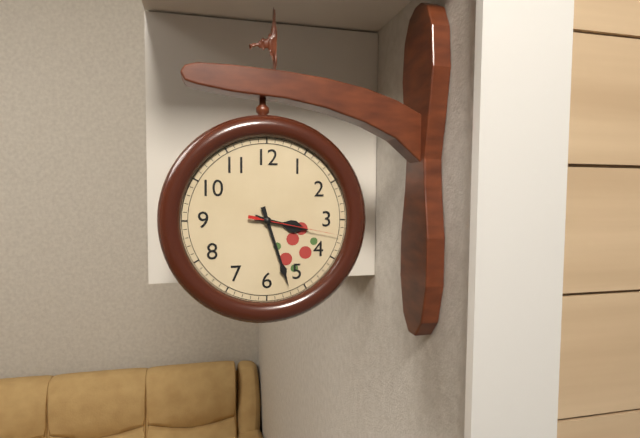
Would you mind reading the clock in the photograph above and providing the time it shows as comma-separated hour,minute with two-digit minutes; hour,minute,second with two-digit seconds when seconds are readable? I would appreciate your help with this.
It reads 3,27,17
